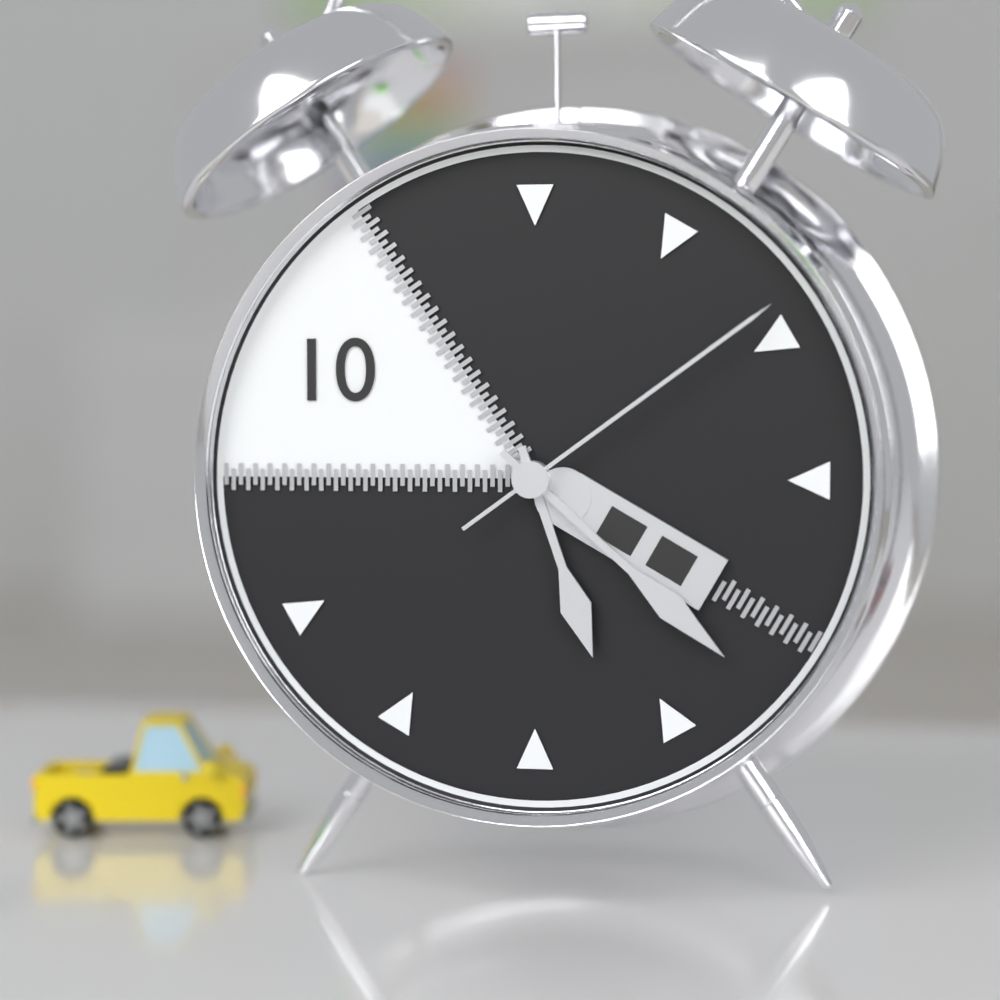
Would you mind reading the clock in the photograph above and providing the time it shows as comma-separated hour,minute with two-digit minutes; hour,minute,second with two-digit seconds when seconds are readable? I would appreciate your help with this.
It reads 5,22,09
